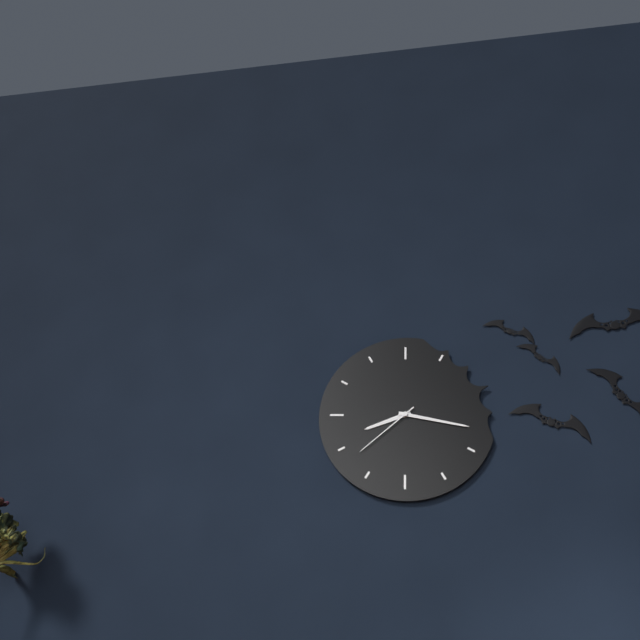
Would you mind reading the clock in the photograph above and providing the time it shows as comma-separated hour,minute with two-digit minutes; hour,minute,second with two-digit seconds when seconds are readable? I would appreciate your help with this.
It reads 8,17,38
